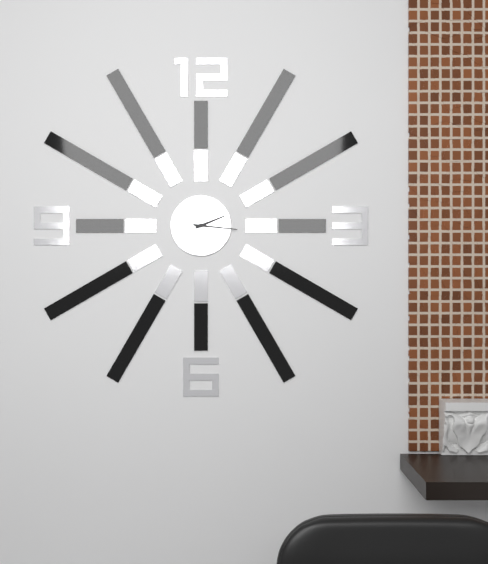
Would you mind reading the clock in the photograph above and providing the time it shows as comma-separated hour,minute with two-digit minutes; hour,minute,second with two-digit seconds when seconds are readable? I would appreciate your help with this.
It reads 2,16
